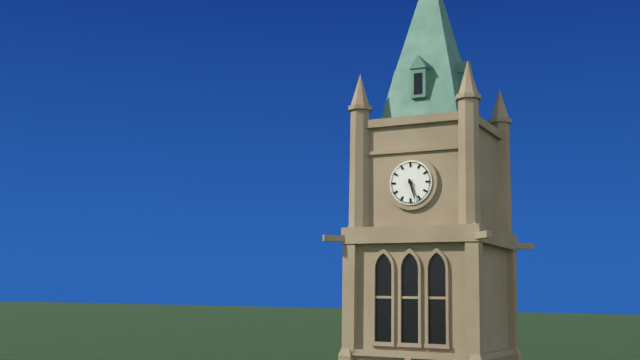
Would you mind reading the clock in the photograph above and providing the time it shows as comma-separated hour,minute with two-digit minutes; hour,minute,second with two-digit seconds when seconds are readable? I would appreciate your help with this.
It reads 5,27
